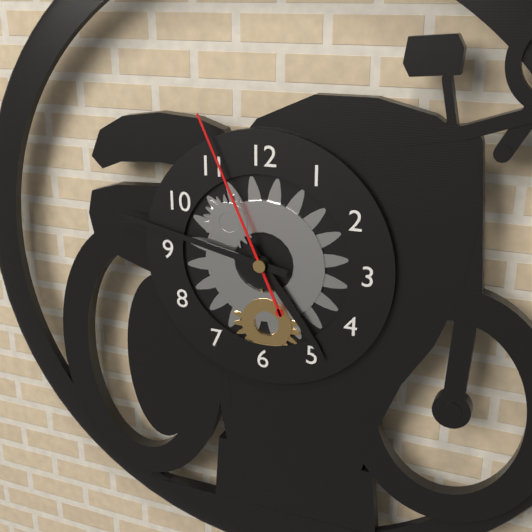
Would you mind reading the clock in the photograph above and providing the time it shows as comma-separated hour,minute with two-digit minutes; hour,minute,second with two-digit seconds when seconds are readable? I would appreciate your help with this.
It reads 4,47,56
